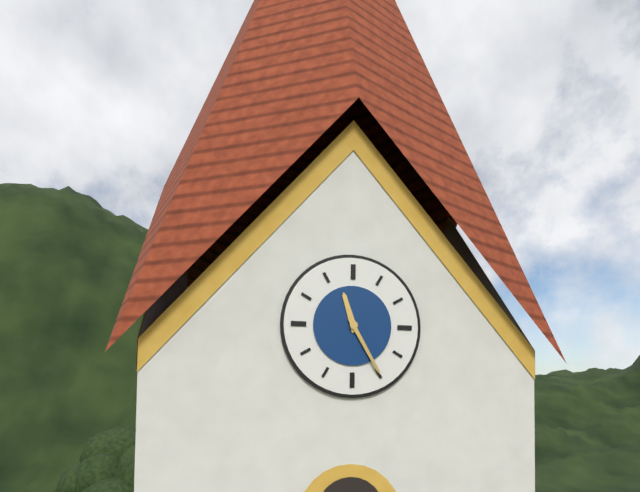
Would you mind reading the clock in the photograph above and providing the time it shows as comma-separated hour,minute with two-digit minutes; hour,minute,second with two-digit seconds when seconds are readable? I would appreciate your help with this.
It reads 11,25
